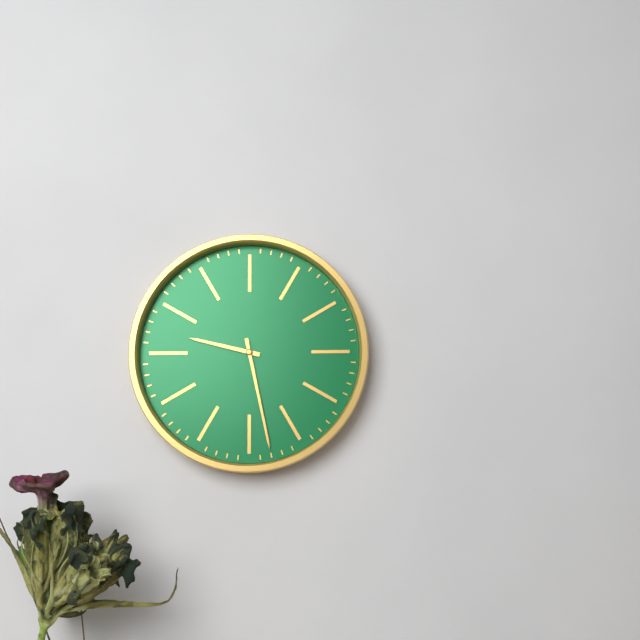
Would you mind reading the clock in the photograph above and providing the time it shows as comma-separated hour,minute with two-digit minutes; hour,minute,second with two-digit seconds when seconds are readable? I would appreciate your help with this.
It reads 9,28
